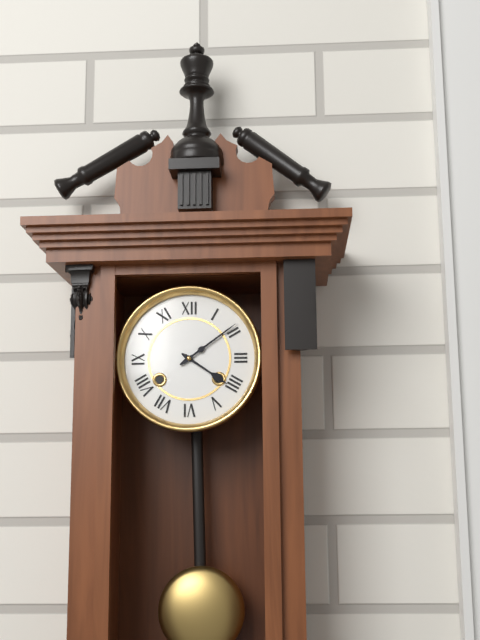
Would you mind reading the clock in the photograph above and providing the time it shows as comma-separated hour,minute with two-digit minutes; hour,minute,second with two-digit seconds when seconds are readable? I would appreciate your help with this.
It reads 4,09
